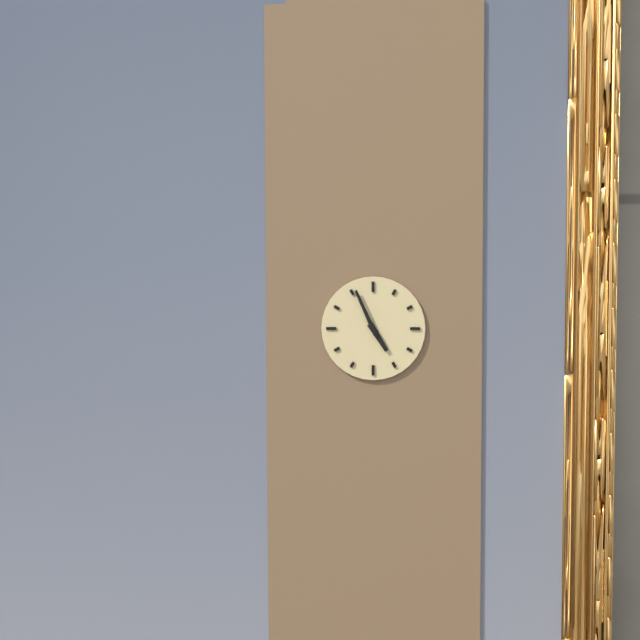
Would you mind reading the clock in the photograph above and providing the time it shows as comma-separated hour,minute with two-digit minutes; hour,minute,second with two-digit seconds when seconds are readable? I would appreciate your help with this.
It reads 4,56
